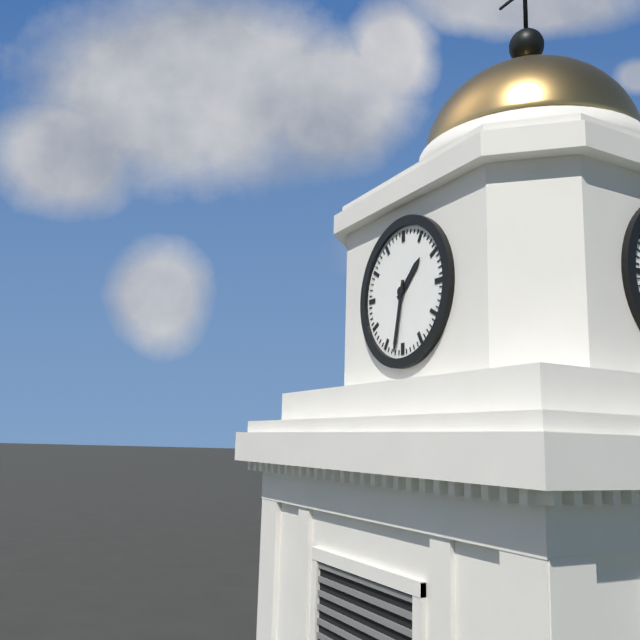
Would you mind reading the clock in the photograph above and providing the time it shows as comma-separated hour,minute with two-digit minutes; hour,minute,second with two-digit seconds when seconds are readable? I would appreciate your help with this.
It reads 1,32
